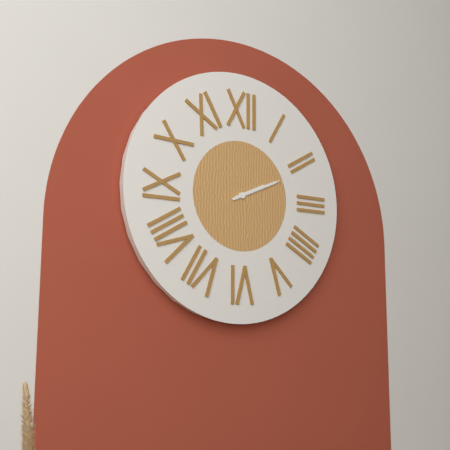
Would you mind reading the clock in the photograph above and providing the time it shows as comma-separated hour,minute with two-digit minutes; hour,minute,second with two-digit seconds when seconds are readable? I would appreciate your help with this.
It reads 2,11
